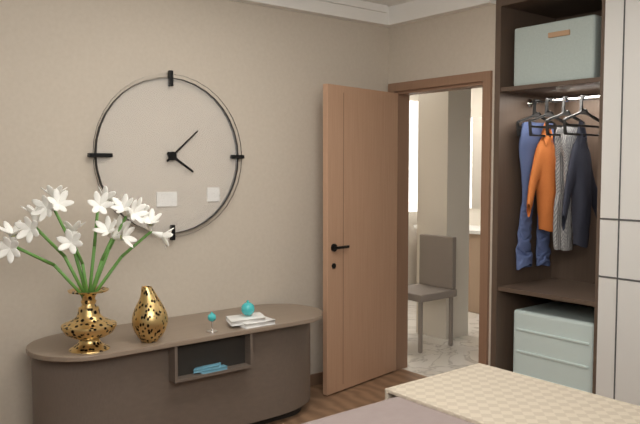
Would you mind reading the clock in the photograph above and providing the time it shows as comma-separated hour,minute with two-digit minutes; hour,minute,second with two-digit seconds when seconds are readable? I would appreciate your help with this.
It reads 4,08
